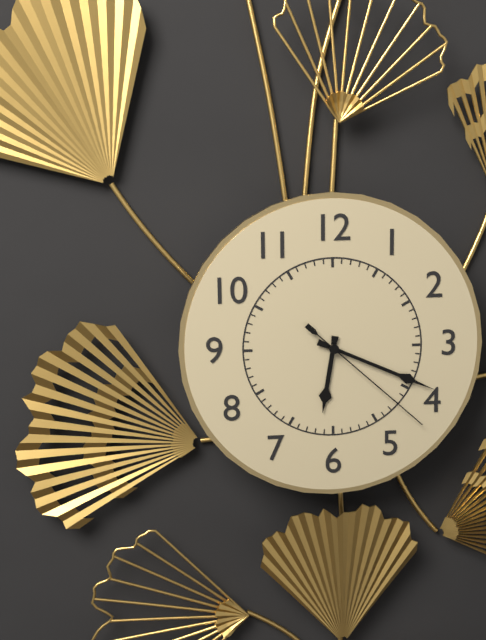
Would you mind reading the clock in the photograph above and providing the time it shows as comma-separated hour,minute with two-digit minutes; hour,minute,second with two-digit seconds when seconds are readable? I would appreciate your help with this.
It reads 6,19,22
